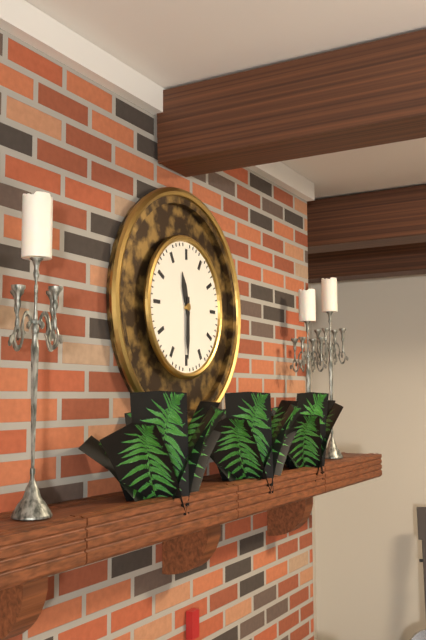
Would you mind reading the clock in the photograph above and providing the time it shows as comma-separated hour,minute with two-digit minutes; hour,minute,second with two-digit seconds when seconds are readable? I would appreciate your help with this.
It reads 11,30
